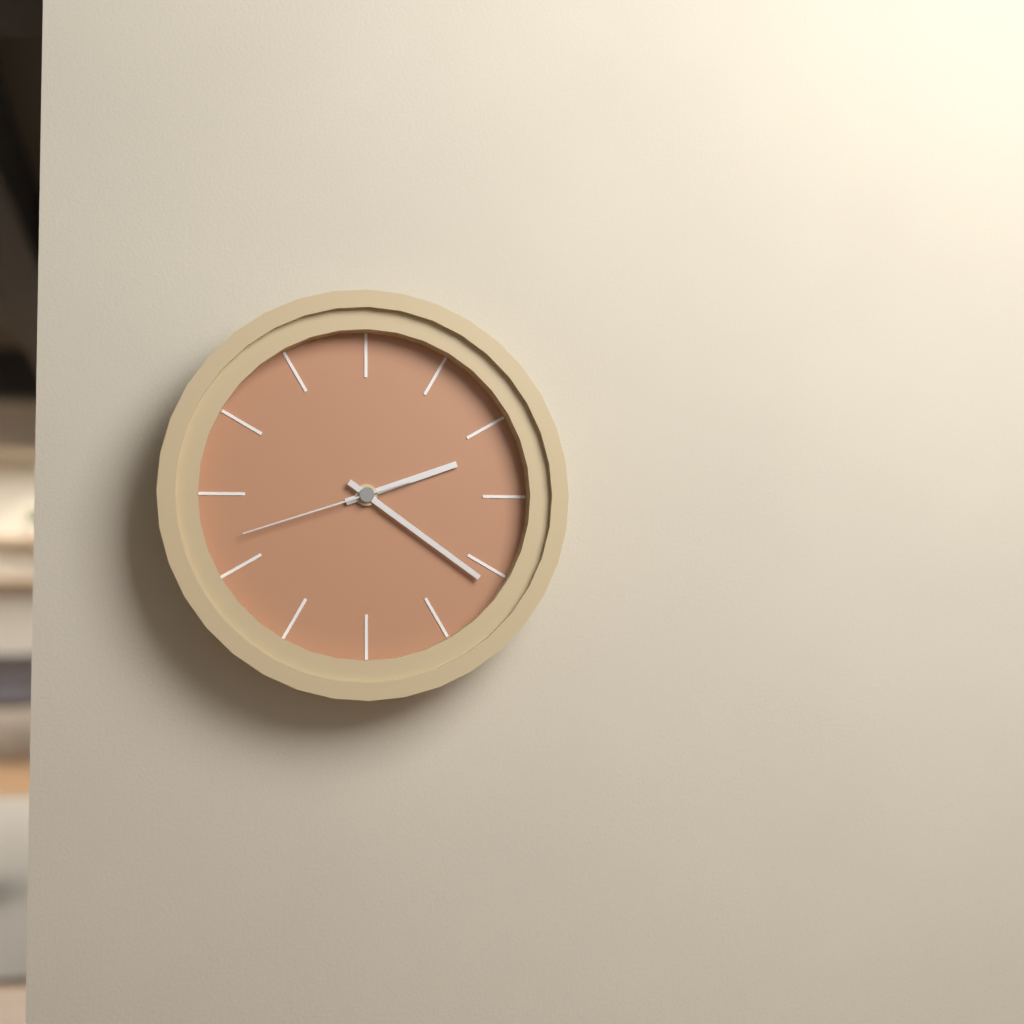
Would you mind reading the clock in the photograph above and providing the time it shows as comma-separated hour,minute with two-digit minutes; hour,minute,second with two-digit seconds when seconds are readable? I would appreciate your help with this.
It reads 2,21,42
